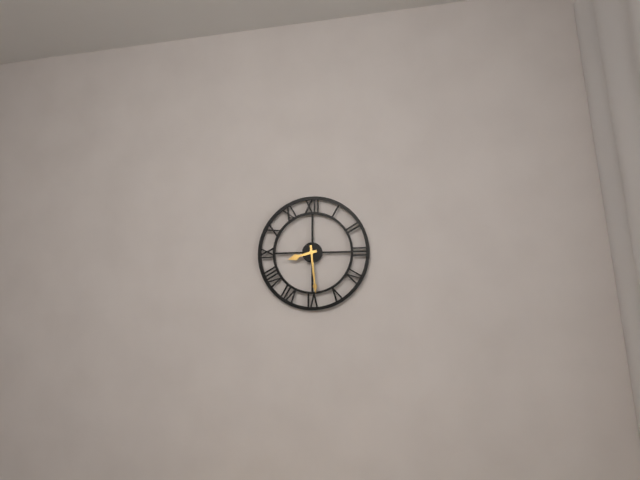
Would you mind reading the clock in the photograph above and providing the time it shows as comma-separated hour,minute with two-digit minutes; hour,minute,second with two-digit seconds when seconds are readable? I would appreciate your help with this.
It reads 8,29
